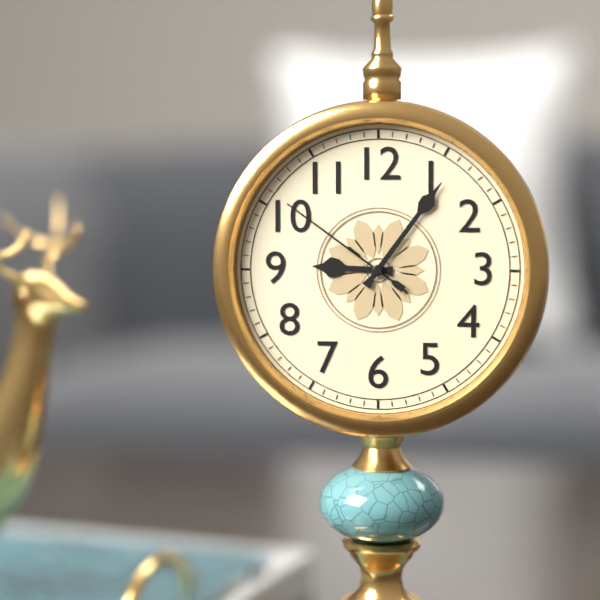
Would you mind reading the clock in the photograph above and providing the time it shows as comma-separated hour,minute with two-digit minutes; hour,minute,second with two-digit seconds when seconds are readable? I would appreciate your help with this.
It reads 9,06,51
